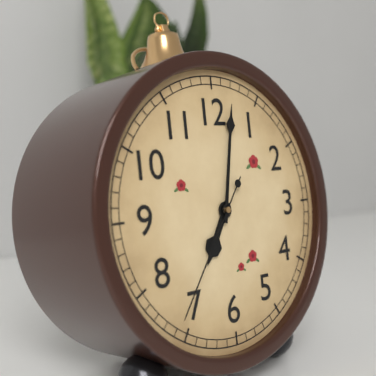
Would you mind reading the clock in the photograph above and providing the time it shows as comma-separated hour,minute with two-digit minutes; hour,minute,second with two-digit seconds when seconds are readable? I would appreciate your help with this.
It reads 7,02,36
